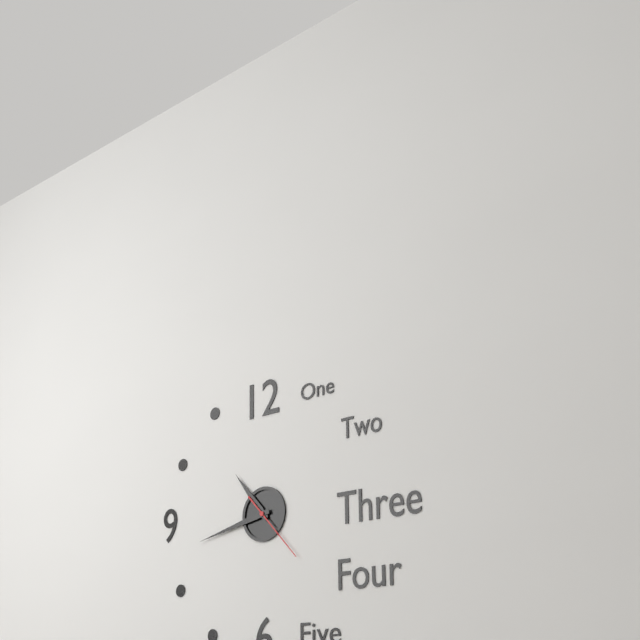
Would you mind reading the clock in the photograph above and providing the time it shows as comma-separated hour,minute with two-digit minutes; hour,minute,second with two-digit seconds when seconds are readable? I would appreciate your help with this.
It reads 10,43,23
